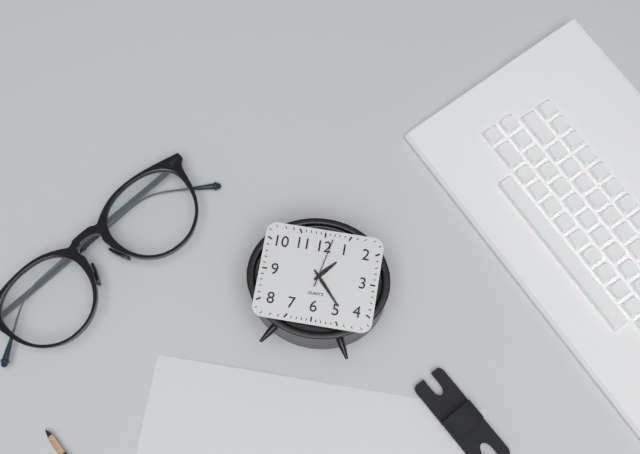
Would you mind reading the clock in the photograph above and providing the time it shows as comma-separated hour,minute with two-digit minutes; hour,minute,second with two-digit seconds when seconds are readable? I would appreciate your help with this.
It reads 1,23
